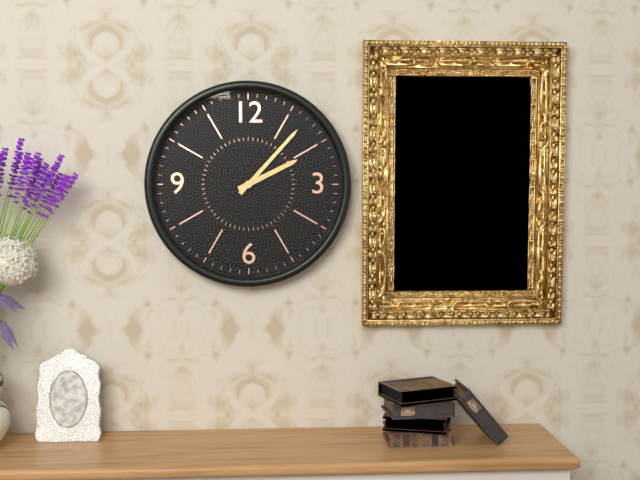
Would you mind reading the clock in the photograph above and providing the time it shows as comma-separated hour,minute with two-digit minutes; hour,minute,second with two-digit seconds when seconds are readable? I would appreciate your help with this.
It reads 2,07
